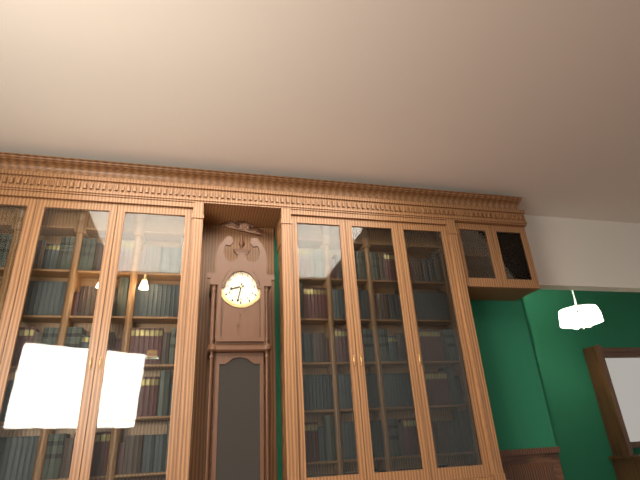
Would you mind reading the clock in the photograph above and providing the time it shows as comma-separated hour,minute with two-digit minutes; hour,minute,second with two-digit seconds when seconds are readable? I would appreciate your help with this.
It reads 8,32
